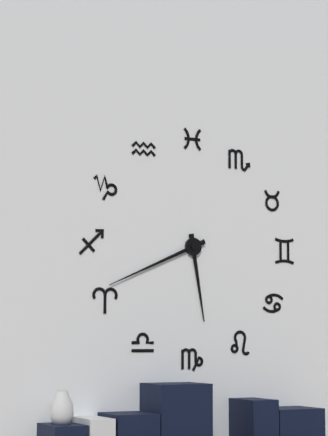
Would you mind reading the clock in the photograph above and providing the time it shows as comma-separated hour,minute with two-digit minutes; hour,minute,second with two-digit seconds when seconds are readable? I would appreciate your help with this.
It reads 5,41
